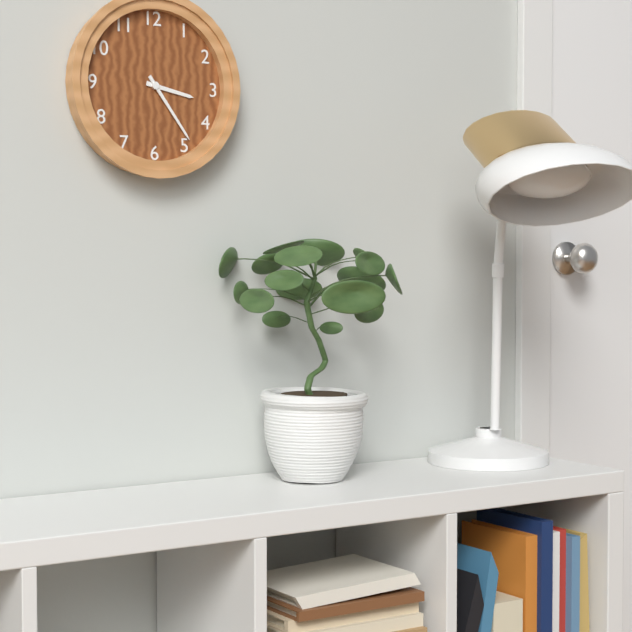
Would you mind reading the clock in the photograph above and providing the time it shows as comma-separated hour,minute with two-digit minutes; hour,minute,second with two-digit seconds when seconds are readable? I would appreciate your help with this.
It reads 3,24
